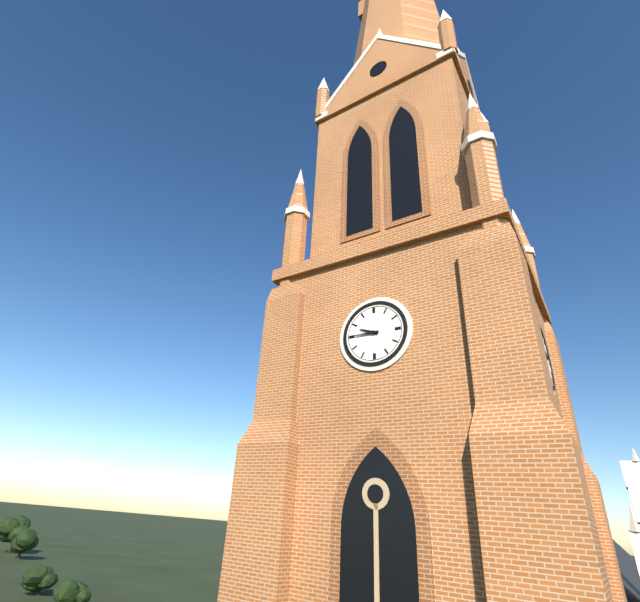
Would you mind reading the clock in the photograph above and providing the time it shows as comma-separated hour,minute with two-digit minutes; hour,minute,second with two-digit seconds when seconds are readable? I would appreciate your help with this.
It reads 9,45
